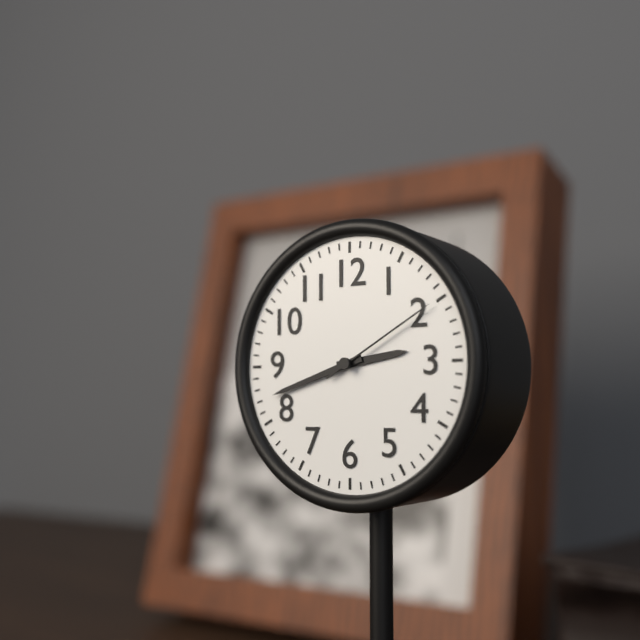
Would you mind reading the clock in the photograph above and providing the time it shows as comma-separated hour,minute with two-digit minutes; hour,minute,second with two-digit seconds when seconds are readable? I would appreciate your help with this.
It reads 2,42,10
